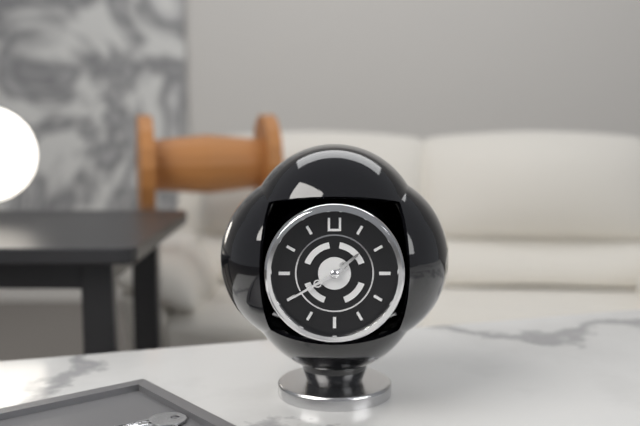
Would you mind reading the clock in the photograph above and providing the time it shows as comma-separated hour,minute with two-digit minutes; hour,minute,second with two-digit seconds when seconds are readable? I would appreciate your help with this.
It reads 1,40
